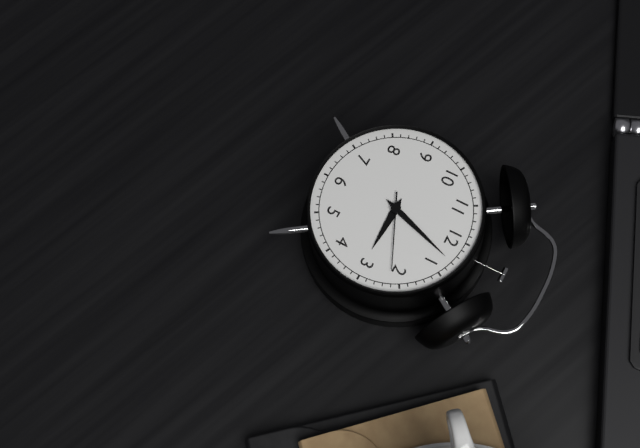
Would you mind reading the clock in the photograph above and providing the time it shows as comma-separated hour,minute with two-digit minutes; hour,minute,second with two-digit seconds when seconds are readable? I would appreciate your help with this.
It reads 3,03,11
